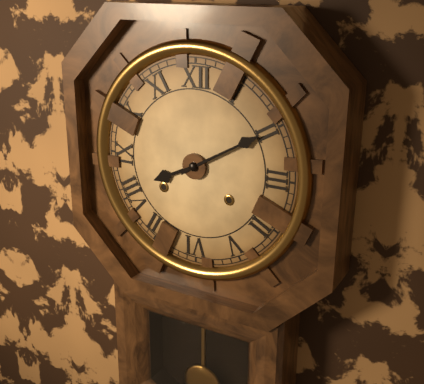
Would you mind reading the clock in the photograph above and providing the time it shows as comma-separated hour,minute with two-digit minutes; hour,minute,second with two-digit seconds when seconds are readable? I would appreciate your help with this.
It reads 8,10
